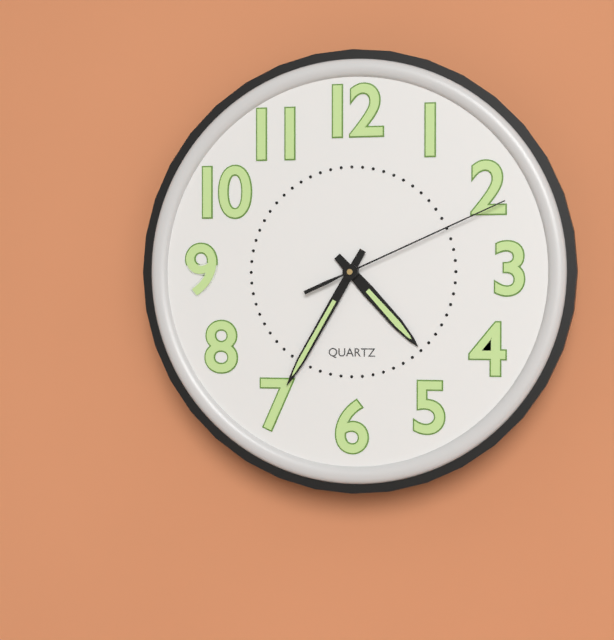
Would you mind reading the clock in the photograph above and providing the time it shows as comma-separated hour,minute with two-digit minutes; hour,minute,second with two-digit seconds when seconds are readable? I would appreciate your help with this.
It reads 4,35,11
